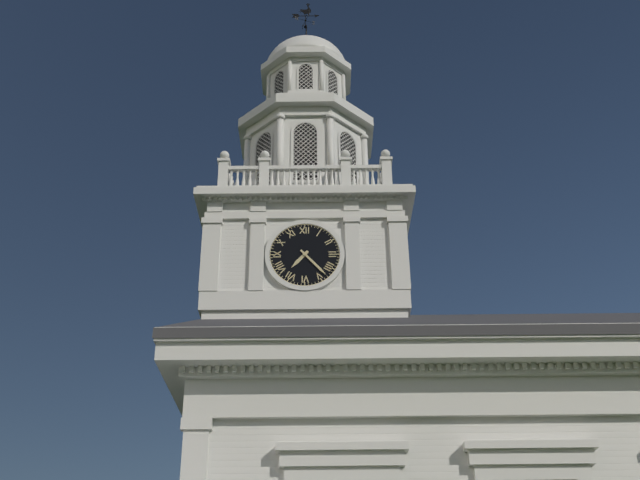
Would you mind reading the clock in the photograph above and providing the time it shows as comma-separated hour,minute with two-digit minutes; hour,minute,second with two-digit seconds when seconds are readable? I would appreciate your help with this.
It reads 7,23
